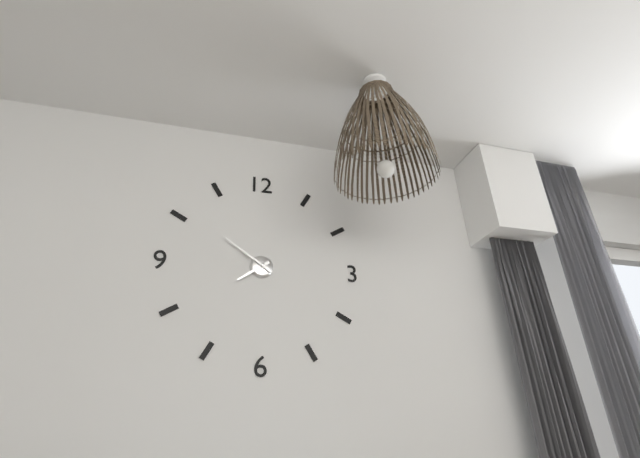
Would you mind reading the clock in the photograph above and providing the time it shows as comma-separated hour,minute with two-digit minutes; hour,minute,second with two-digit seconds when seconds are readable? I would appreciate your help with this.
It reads 7,51
